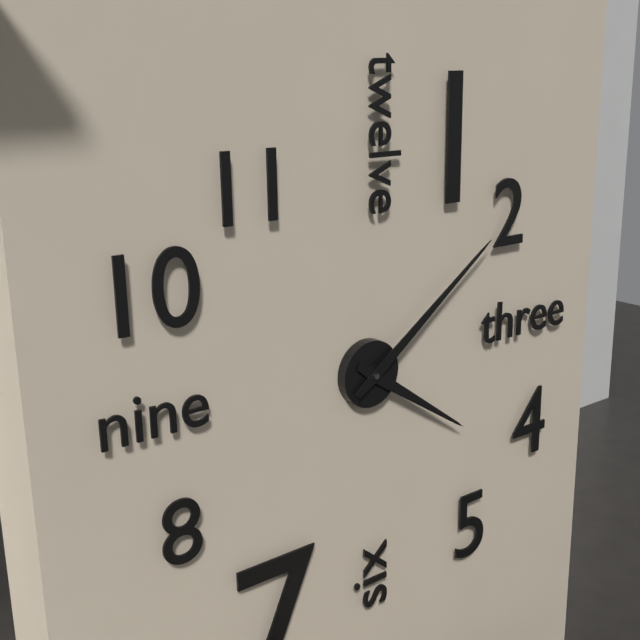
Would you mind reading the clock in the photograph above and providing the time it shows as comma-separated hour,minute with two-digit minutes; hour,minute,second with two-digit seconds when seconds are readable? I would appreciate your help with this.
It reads 4,09
